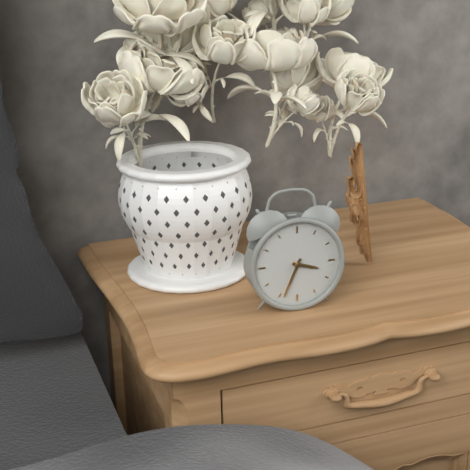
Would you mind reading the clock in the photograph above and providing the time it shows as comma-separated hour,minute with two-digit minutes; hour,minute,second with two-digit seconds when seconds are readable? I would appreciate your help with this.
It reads 3,34
